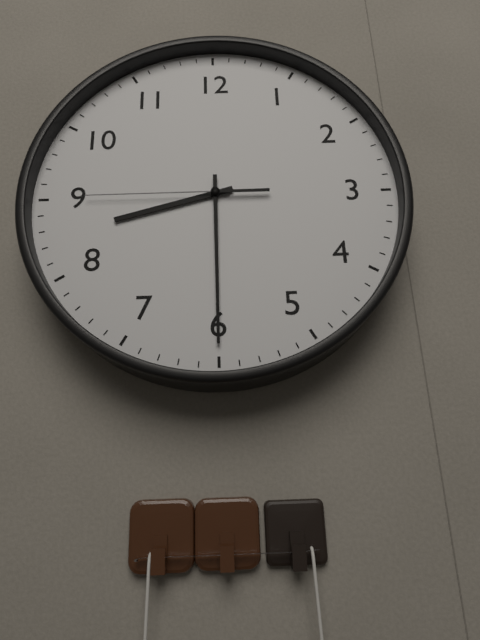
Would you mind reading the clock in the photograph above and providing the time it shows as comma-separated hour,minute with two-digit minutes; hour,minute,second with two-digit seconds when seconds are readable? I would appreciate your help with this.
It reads 8,30,45
